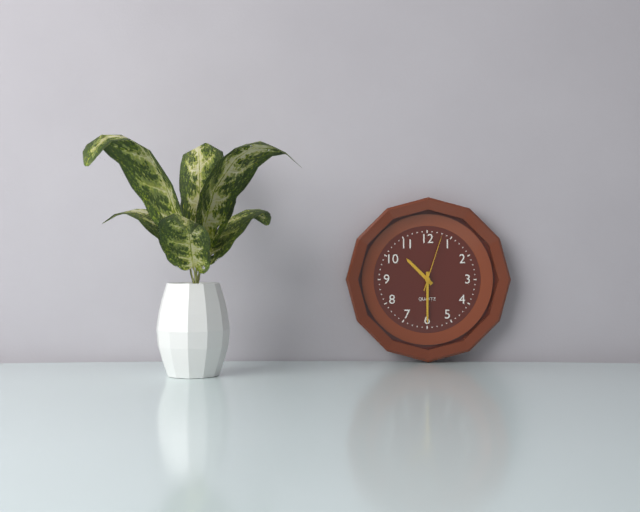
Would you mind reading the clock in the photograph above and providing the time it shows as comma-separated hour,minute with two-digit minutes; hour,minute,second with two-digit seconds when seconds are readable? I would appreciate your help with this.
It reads 10,30,03
